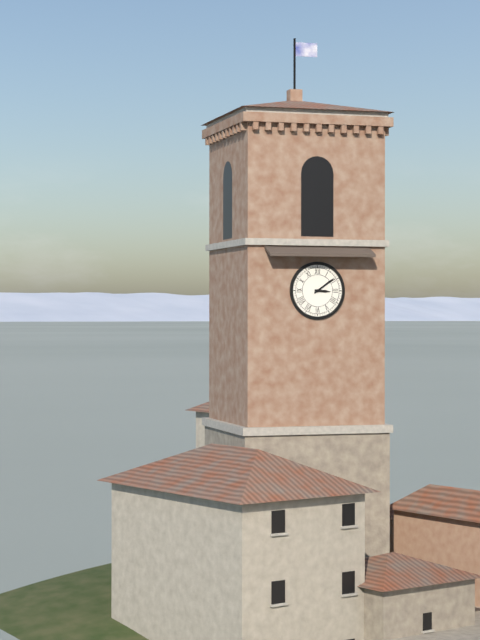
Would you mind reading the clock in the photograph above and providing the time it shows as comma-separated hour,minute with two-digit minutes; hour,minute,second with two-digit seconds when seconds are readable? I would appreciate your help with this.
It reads 3,09
